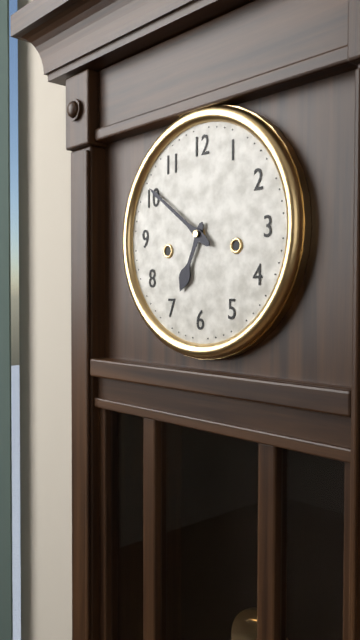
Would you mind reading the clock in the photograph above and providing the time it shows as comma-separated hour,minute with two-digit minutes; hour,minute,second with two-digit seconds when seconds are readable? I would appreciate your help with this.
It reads 6,51
